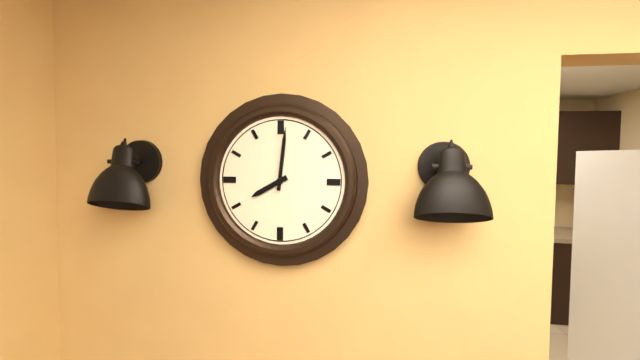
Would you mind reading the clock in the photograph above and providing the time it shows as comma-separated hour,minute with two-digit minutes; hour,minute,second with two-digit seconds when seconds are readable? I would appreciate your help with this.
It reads 8,01
